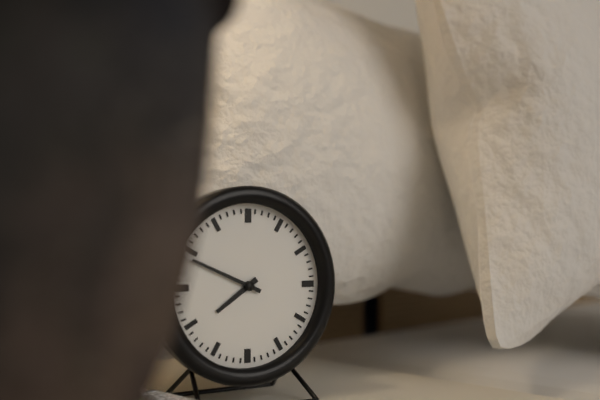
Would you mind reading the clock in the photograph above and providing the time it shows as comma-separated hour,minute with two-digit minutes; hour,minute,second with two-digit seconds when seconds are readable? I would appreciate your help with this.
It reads 7,49
